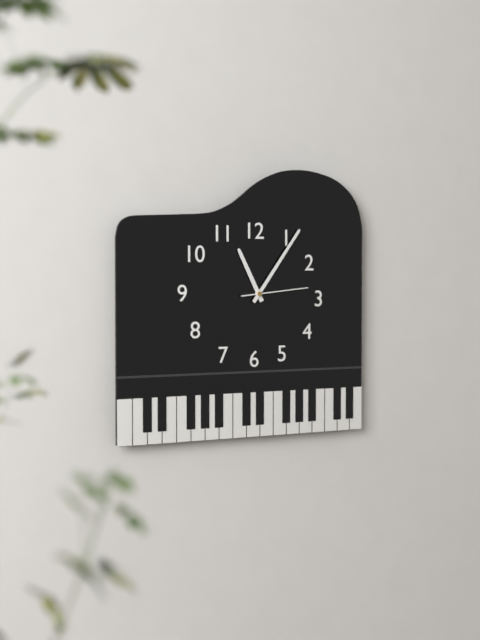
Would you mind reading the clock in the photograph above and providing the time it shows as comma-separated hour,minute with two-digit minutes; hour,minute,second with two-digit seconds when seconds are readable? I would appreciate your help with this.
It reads 11,06,14
